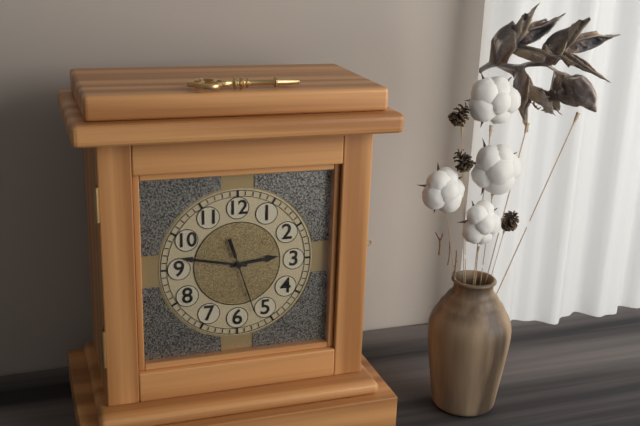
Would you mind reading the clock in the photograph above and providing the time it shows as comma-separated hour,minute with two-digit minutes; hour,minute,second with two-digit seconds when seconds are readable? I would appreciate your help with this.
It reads 2,47,27
